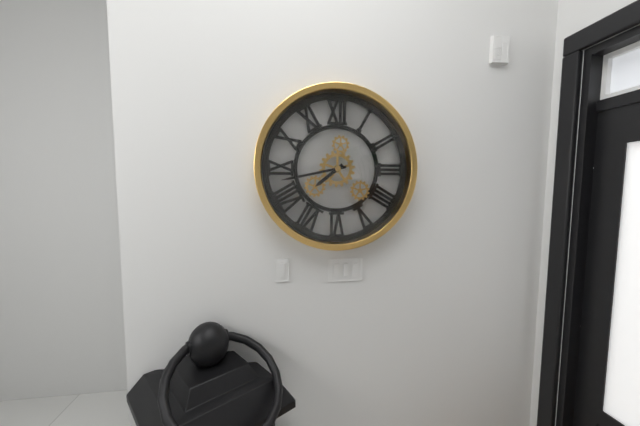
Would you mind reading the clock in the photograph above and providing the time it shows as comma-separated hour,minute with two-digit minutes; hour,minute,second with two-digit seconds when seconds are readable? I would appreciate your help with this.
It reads 7,43
